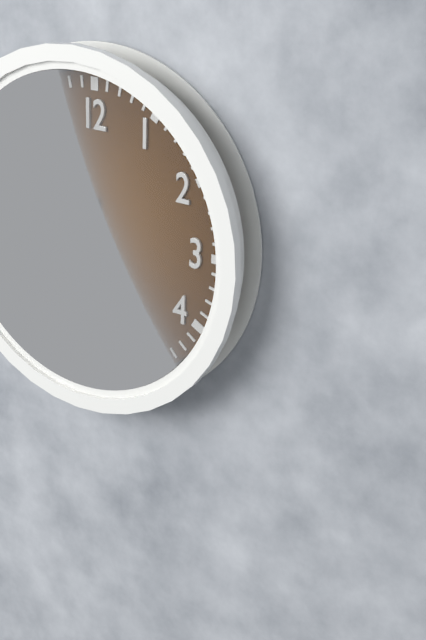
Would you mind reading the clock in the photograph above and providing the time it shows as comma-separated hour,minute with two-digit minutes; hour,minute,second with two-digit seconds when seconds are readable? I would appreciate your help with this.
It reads 10,30,31
